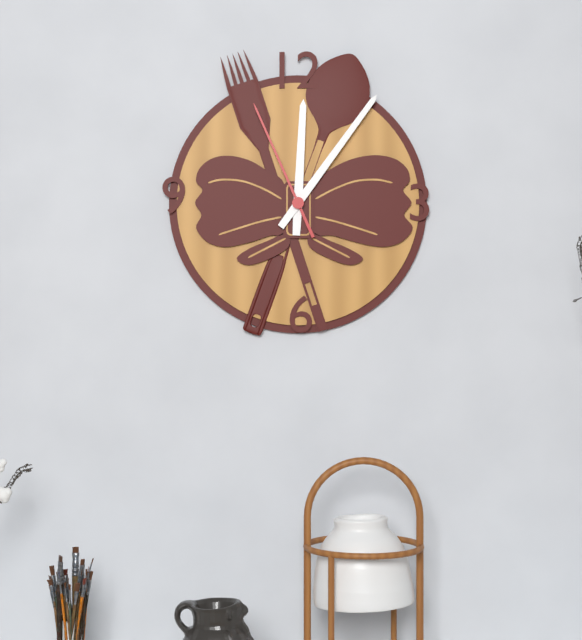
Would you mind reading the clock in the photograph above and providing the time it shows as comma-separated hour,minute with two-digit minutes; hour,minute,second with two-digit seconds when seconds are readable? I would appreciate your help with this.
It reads 12,06,56
